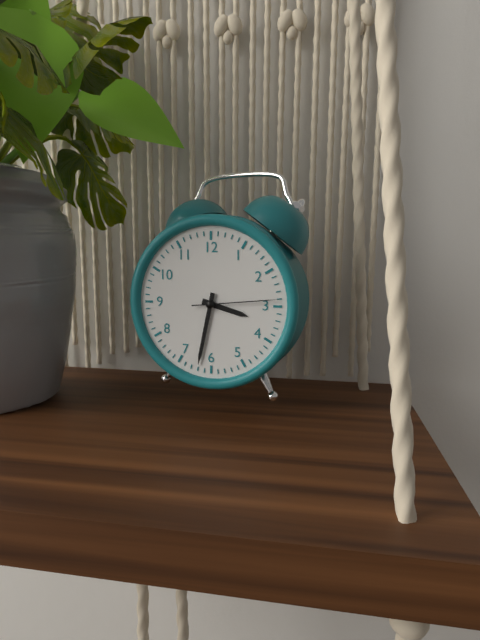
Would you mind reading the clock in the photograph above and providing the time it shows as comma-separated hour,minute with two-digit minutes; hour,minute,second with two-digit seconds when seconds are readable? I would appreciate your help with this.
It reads 3,32,14
